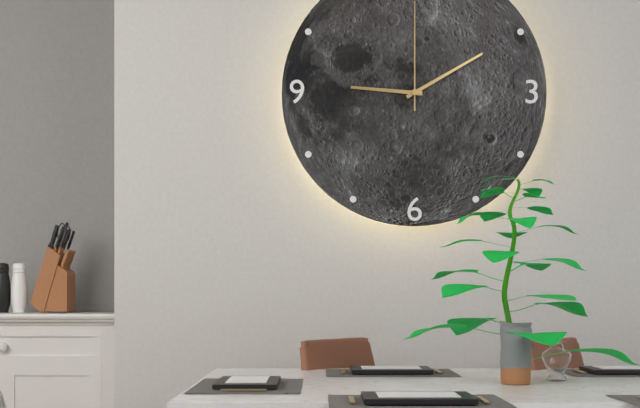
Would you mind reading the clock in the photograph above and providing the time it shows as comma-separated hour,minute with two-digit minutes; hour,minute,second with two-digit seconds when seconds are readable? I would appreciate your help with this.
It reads 9,10,00
